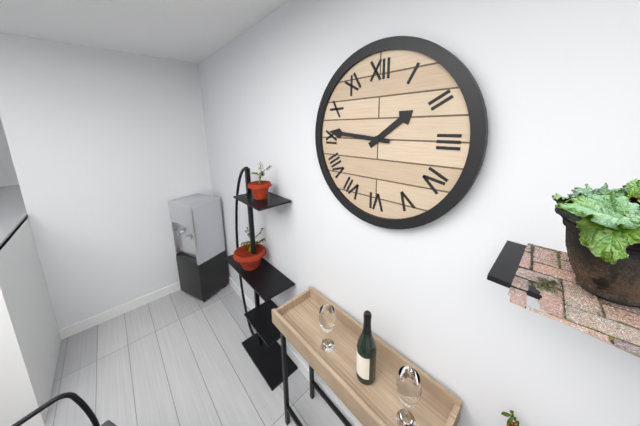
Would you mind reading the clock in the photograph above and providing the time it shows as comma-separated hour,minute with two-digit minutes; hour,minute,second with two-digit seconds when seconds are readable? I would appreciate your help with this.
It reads 1,46
